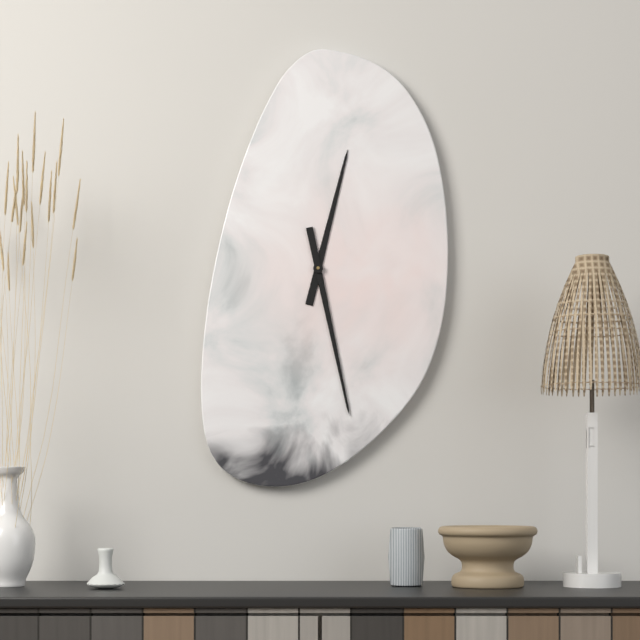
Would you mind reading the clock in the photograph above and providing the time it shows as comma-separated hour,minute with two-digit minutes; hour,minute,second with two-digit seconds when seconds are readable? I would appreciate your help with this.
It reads 12,28
